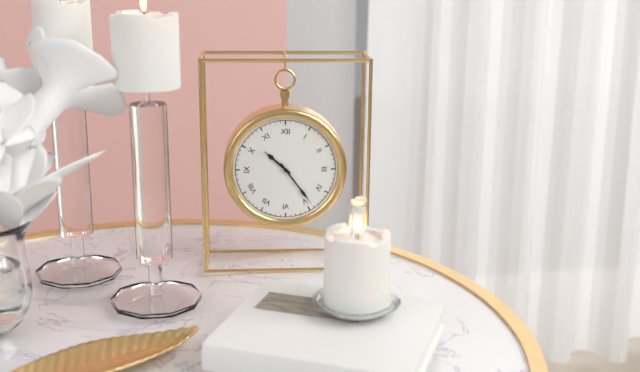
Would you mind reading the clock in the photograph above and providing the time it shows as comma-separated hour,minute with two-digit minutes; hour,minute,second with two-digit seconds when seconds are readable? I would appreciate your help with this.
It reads 10,24
